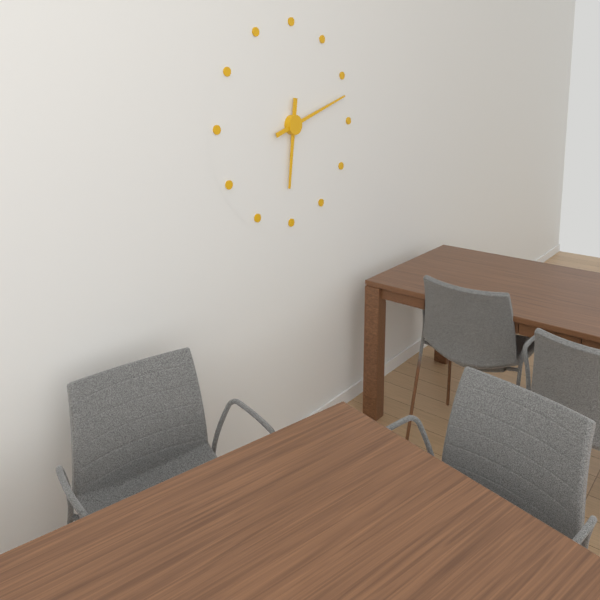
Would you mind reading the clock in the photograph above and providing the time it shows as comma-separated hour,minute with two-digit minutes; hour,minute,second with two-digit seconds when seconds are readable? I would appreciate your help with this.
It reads 6,12
